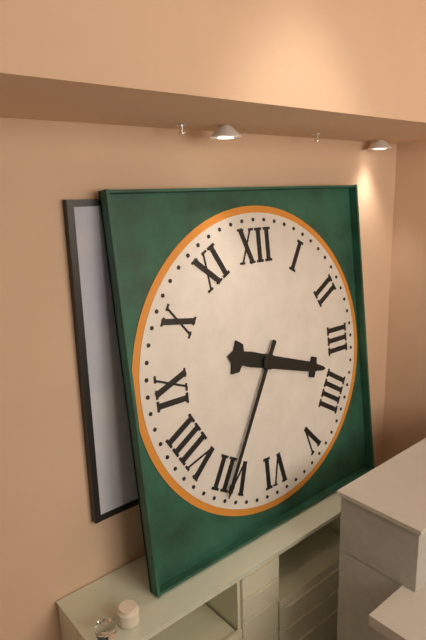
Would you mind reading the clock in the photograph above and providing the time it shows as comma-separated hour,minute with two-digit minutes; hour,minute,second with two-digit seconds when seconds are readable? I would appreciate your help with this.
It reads 3,35
